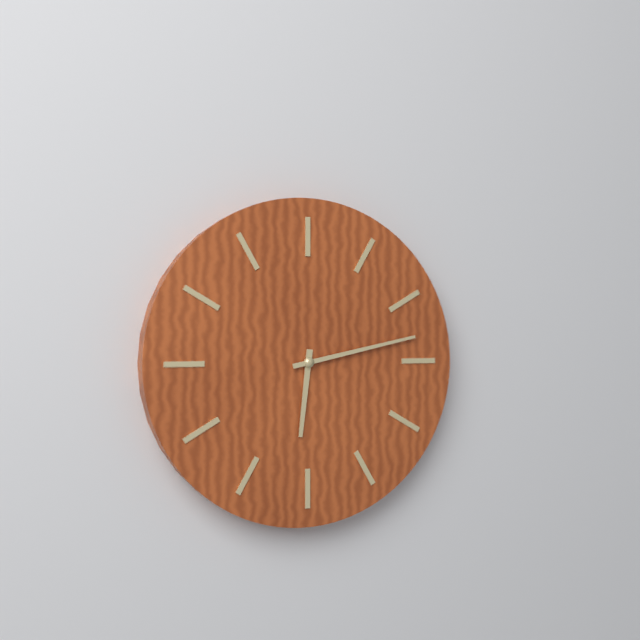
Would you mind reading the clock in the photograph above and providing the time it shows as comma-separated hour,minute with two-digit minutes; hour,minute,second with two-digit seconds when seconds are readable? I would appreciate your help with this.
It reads 6,13
